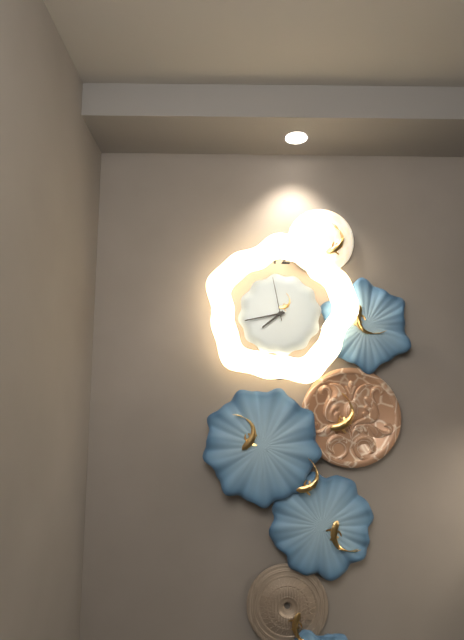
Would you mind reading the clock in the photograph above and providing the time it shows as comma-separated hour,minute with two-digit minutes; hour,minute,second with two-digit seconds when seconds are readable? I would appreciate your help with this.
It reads 7,43
